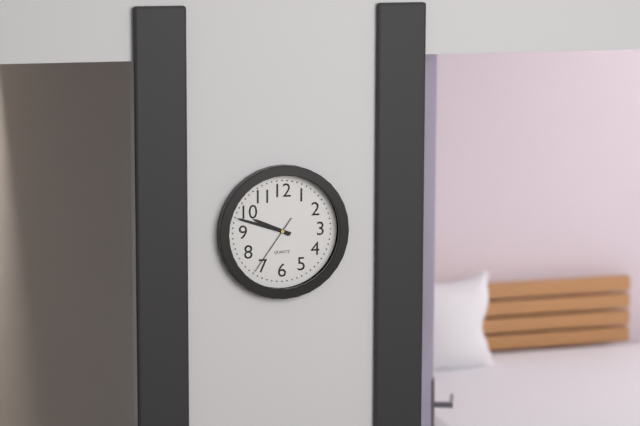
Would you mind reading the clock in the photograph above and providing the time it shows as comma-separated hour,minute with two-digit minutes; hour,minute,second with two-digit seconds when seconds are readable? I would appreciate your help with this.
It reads 9,48,36
